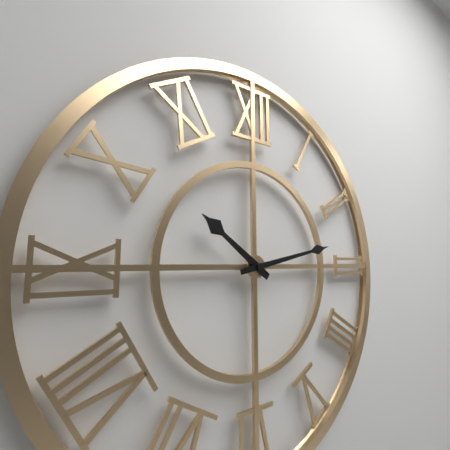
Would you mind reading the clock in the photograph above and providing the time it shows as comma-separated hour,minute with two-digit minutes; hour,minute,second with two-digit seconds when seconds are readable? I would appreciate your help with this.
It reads 10,13
